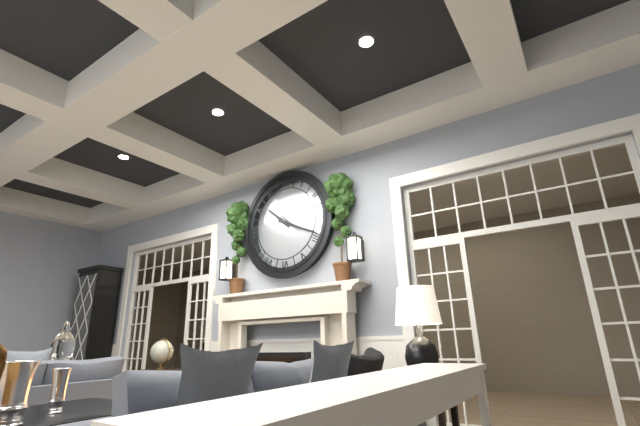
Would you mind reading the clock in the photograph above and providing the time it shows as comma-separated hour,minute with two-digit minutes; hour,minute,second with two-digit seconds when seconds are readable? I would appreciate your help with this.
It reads 10,19
